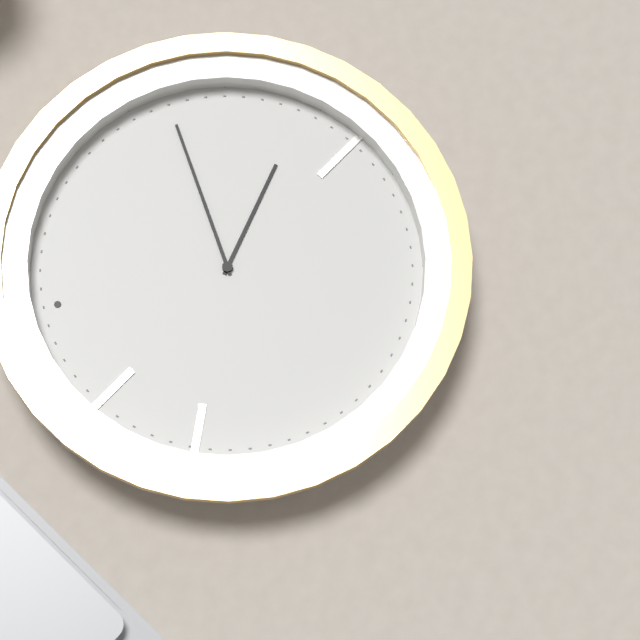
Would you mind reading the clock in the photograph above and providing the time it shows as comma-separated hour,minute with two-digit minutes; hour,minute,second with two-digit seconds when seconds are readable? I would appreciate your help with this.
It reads 4,14
